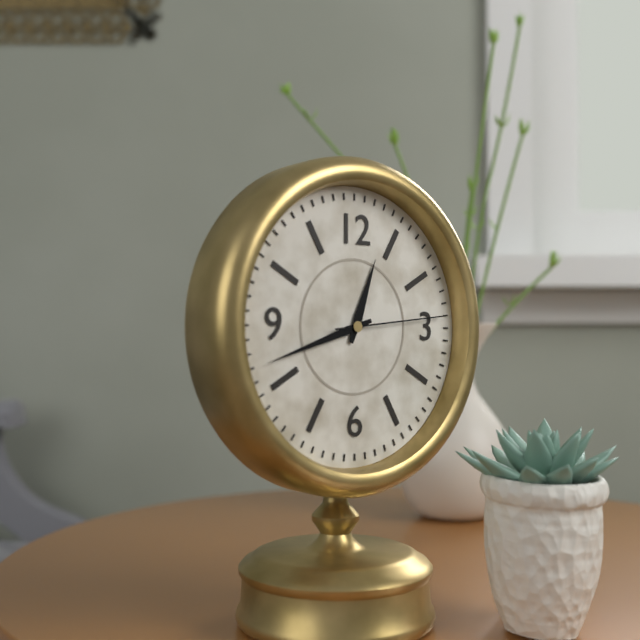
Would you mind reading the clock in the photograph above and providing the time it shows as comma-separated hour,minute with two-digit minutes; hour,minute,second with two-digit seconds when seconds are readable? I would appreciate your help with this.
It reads 12,42,14
